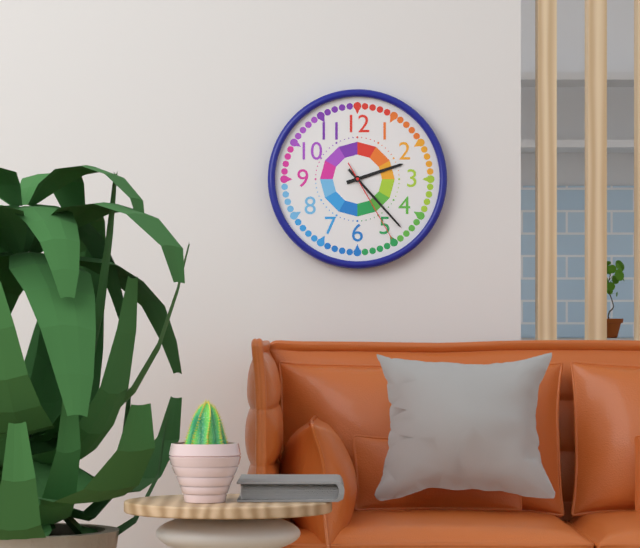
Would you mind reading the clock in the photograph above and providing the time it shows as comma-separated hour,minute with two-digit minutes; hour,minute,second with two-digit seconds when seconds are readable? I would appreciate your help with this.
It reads 2,23,25
